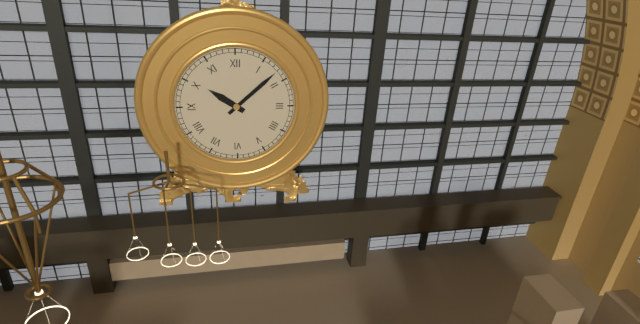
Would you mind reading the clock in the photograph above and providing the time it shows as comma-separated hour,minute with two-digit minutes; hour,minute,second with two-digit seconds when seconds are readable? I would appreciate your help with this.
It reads 10,08
